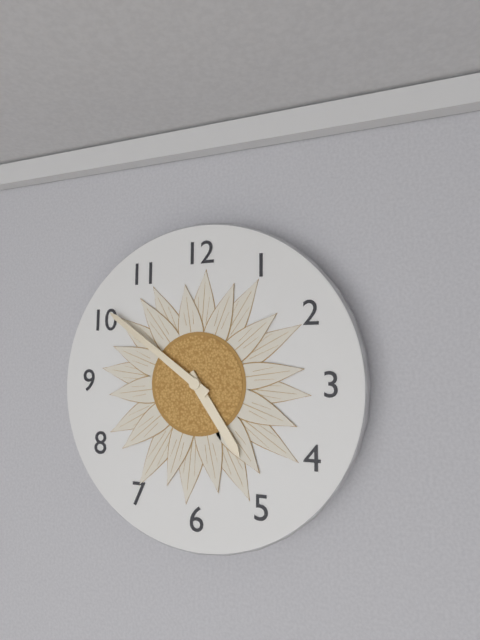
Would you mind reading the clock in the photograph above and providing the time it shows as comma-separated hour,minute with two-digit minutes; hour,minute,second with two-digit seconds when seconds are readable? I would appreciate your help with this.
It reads 4,51
